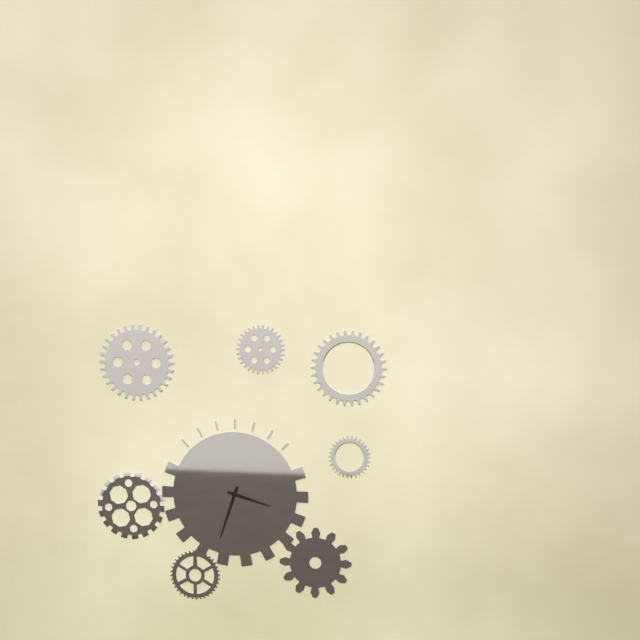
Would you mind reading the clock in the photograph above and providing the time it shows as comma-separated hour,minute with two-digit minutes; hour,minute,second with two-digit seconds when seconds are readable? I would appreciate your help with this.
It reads 3,33
